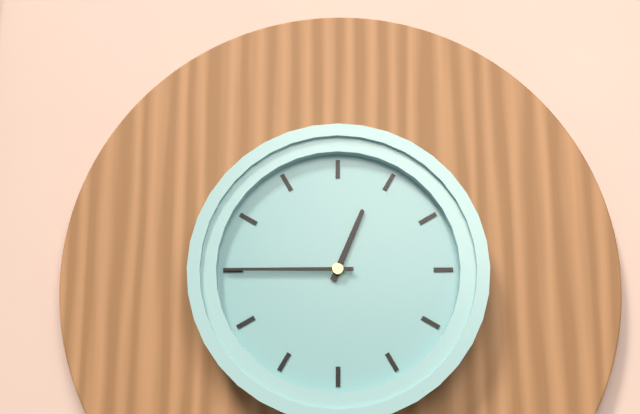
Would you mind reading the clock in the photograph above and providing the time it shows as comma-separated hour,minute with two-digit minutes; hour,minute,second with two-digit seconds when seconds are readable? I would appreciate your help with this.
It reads 12,45
